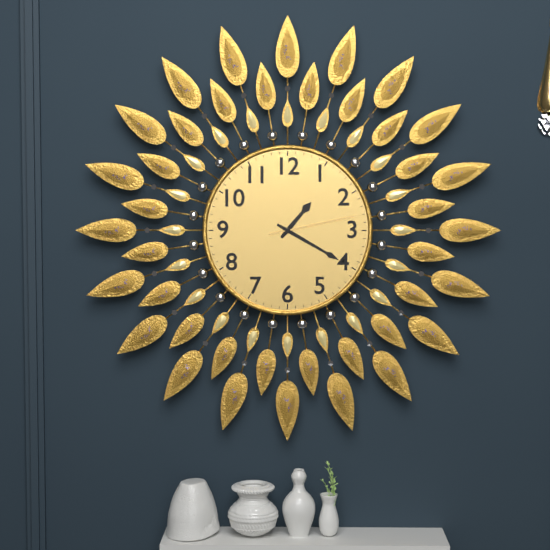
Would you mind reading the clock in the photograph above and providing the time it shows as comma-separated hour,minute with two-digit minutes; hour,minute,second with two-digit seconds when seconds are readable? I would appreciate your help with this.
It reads 1,20,13
